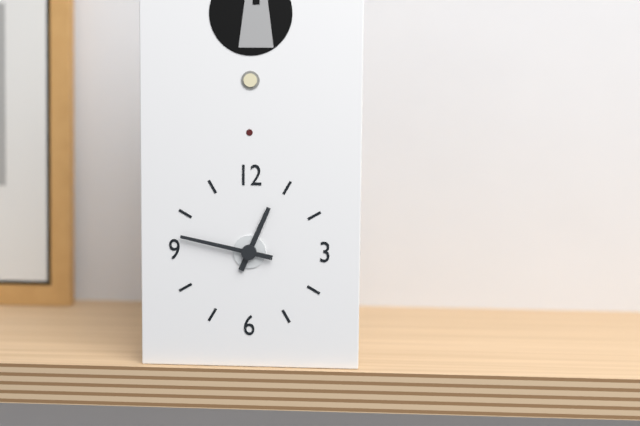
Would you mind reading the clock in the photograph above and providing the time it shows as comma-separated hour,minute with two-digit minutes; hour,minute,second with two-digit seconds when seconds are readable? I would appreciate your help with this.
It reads 12,47
